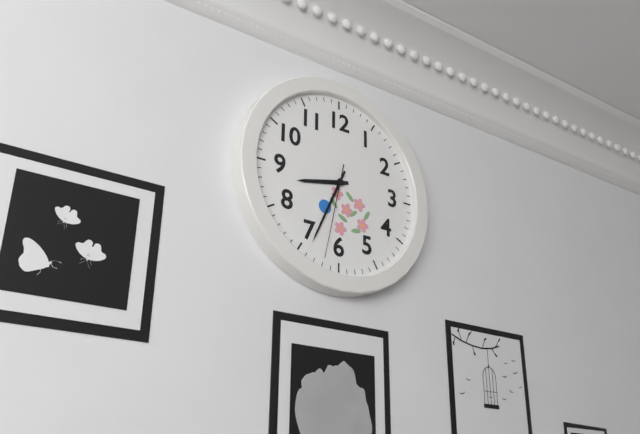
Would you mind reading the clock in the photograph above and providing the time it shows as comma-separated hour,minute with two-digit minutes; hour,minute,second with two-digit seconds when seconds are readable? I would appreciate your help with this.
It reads 8,34,32
